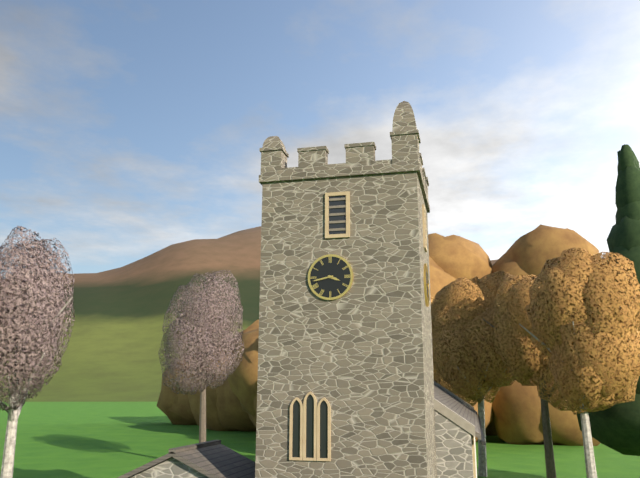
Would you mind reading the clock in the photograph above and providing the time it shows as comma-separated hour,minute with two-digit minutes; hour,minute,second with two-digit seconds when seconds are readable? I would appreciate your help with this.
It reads 3,43
